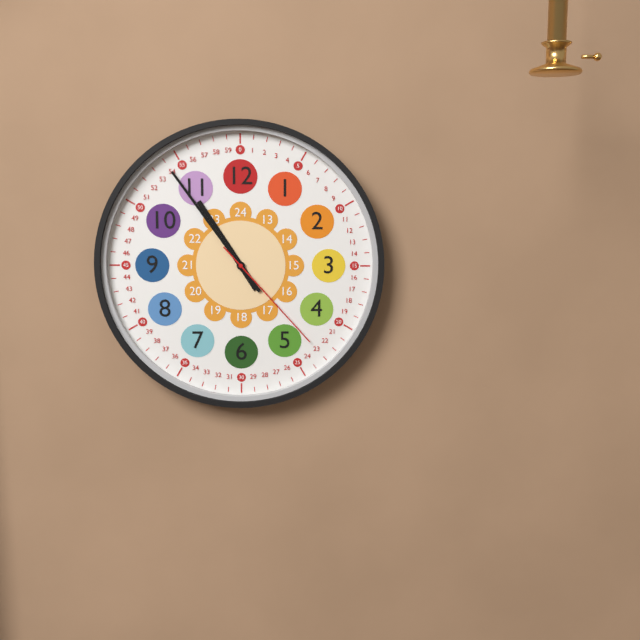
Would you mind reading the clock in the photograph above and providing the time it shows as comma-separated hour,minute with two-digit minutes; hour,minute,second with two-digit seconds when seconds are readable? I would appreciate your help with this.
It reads 10,54,23
